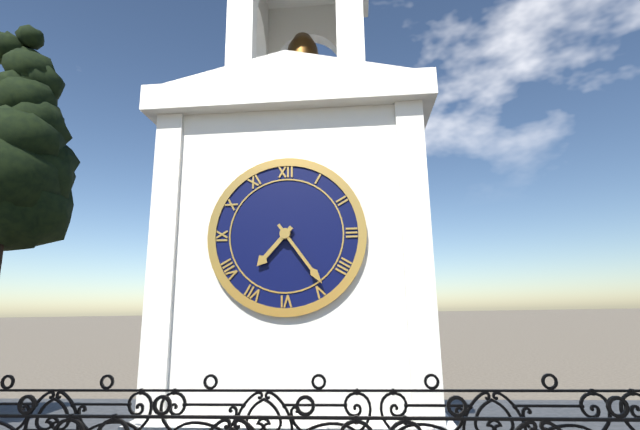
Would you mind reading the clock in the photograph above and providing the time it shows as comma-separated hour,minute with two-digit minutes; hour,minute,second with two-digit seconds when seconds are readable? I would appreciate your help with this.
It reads 7,24
